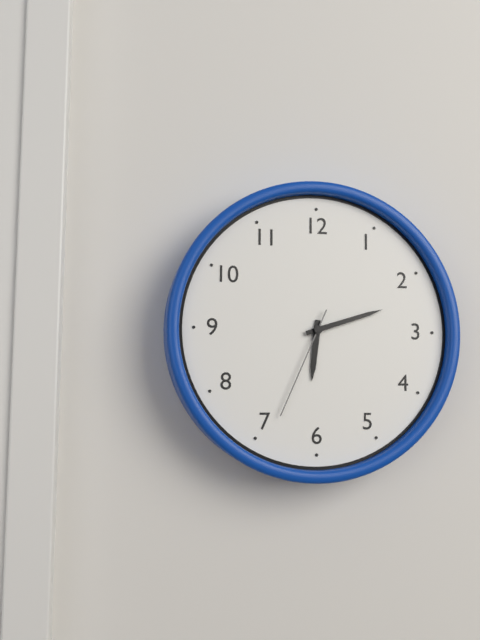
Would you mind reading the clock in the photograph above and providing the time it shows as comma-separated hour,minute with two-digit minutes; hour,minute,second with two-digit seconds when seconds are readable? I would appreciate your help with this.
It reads 6,12,34
